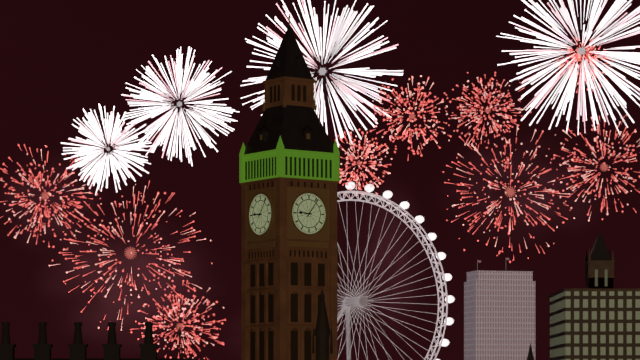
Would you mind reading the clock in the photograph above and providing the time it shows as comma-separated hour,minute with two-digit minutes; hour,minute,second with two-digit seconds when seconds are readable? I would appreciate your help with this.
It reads 9,06
